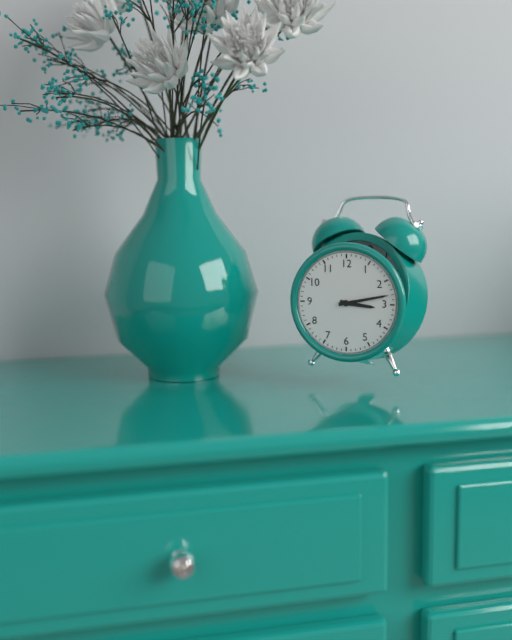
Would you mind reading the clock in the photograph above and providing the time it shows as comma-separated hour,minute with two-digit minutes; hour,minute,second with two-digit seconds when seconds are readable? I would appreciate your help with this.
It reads 3,13
